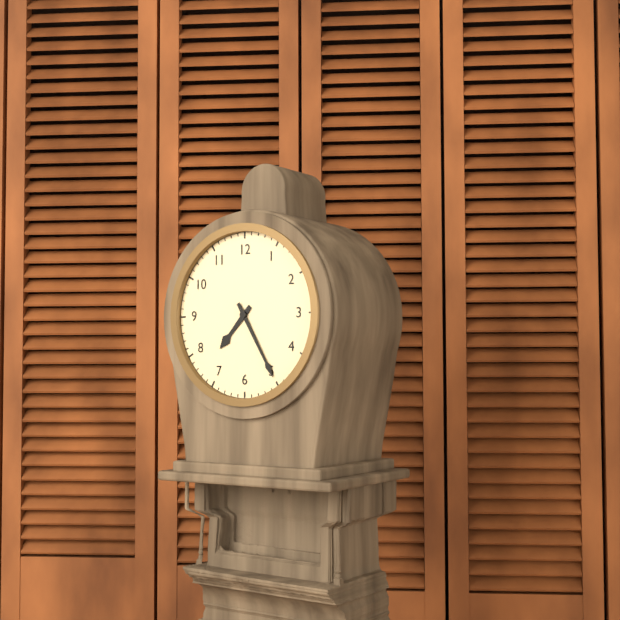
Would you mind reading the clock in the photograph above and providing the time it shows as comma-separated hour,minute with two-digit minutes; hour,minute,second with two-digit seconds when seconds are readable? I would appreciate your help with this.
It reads 7,25
